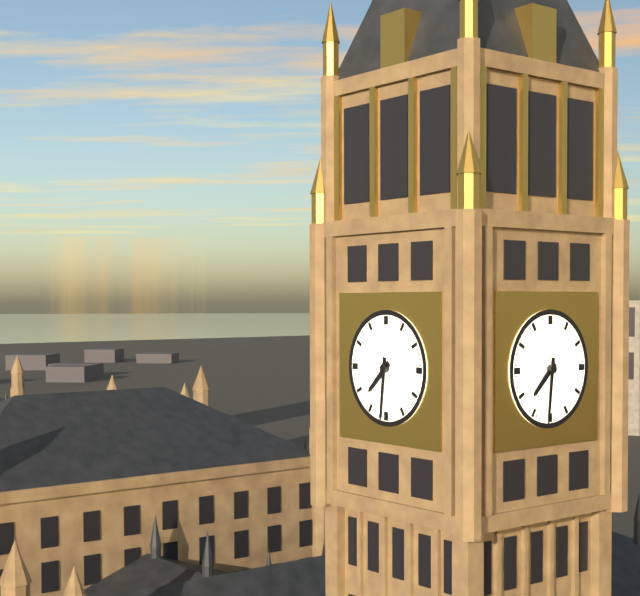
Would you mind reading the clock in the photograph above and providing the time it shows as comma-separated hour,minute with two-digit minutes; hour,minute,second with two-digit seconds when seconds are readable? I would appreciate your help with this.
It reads 7,31
